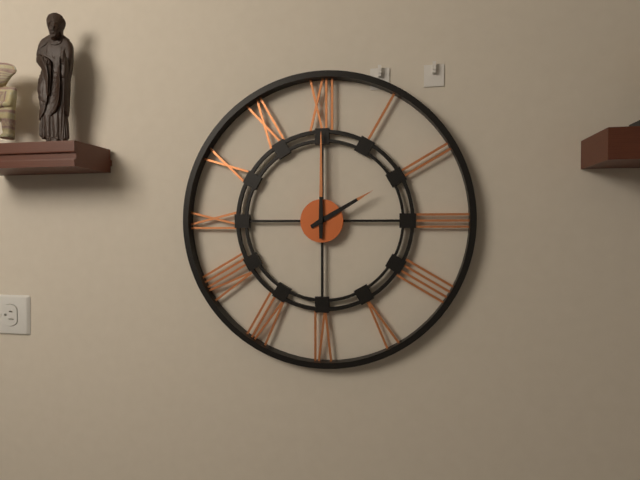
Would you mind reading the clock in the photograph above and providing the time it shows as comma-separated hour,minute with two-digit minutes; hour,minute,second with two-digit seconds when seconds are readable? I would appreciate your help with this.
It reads 2,00
